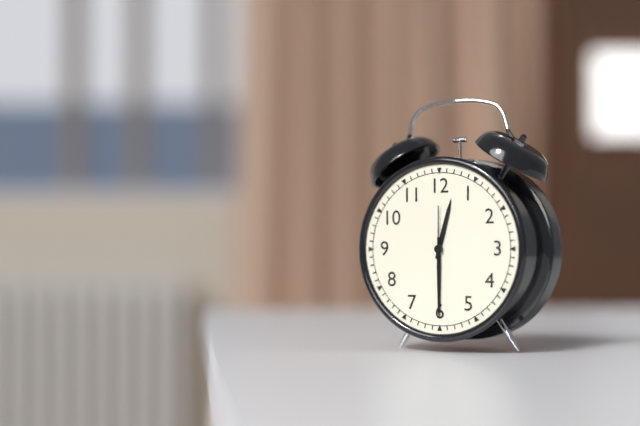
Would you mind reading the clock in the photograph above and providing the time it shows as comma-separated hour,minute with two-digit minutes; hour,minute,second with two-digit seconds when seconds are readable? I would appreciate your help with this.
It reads 12,30,00
